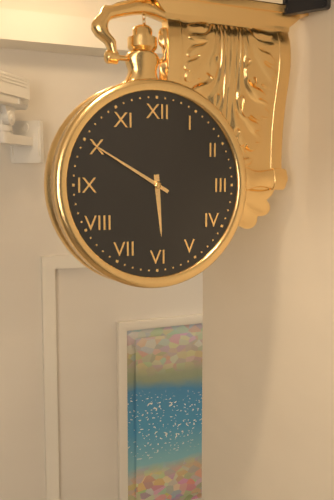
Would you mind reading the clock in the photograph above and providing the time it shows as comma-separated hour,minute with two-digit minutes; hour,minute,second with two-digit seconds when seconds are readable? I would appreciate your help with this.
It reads 5,50
